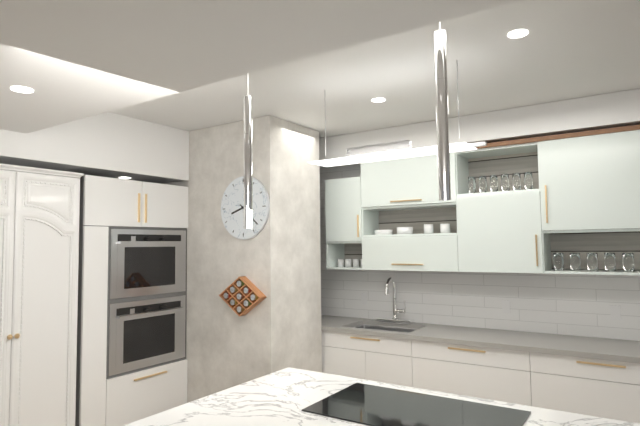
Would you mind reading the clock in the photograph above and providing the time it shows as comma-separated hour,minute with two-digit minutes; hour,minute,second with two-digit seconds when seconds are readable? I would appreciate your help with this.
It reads 8,22
